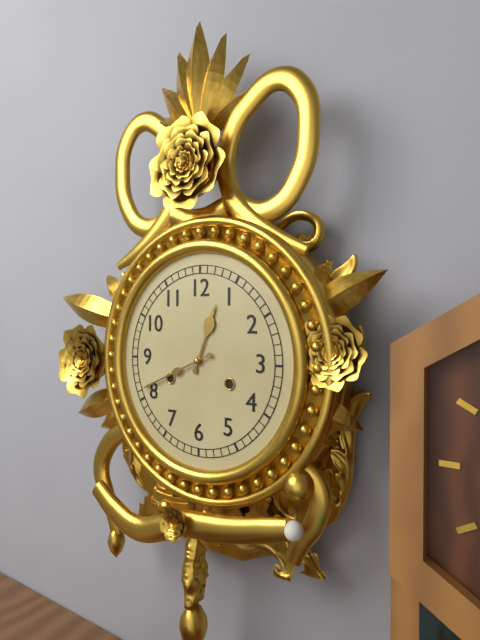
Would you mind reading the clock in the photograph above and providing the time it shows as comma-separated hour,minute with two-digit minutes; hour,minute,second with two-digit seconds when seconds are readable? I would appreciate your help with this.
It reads 12,41
